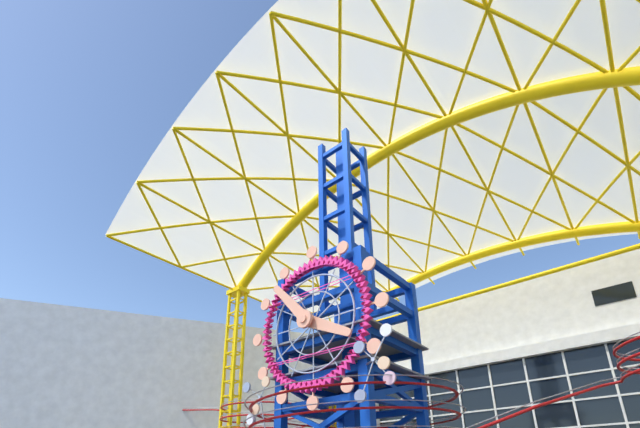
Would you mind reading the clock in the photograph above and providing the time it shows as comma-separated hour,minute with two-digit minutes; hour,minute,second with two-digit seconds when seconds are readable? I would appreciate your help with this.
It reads 3,53
